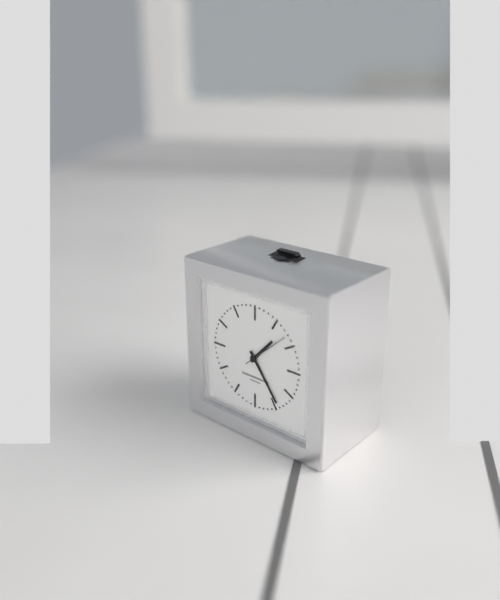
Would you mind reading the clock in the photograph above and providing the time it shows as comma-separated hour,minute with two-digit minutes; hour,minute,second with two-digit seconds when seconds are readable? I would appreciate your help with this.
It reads 1,24
